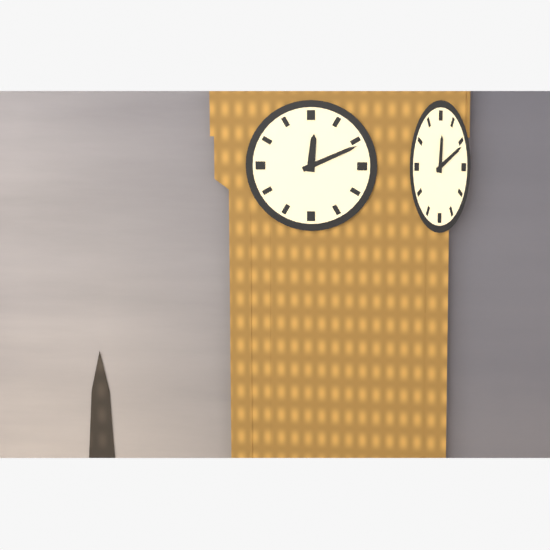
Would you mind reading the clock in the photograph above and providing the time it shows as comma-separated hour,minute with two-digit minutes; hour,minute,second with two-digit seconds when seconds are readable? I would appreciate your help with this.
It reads 12,11
